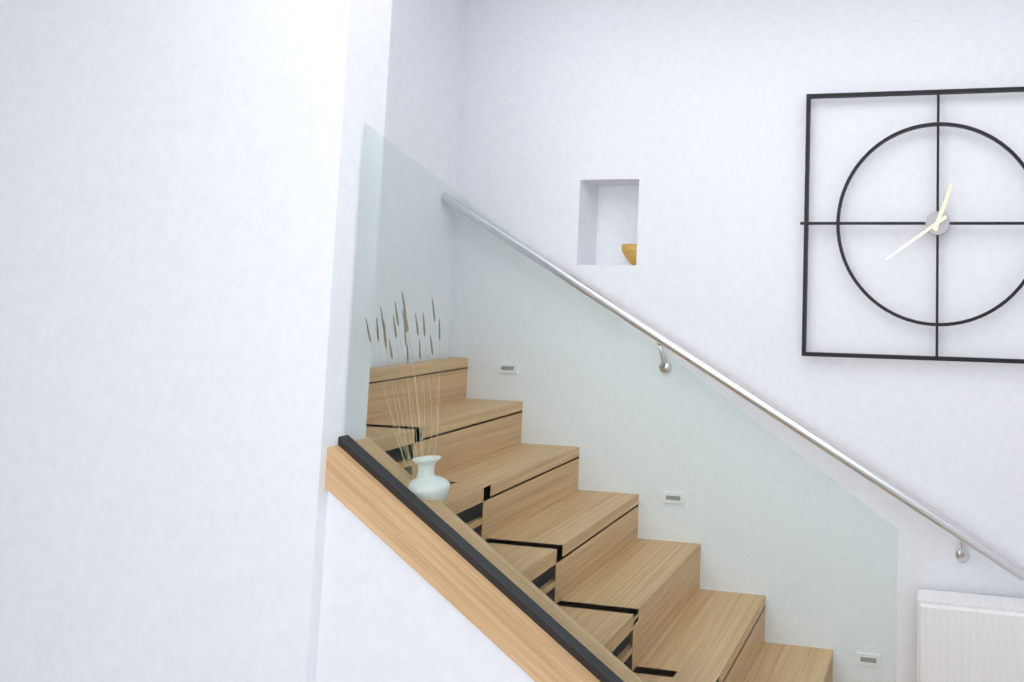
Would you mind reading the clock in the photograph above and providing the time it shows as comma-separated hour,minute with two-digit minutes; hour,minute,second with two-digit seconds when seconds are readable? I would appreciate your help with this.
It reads 12,39
